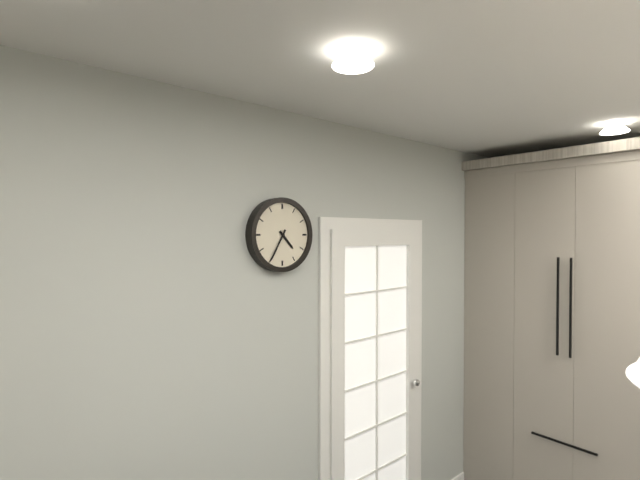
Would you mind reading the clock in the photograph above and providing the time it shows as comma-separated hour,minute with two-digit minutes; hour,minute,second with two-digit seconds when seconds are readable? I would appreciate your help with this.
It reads 4,35
